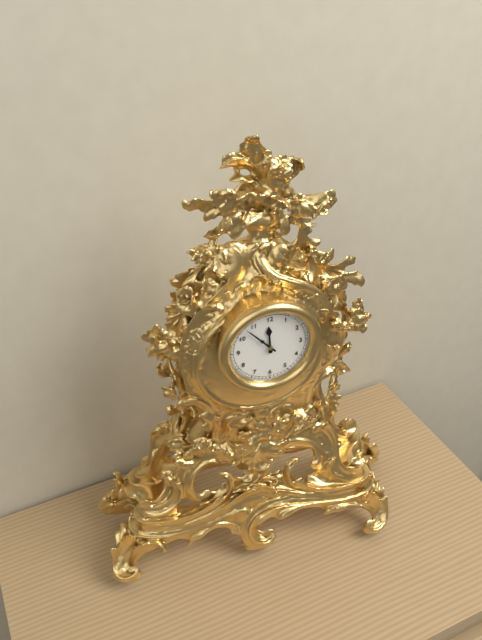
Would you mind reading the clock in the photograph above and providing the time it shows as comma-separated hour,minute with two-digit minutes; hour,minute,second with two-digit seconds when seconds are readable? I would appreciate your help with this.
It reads 11,53
